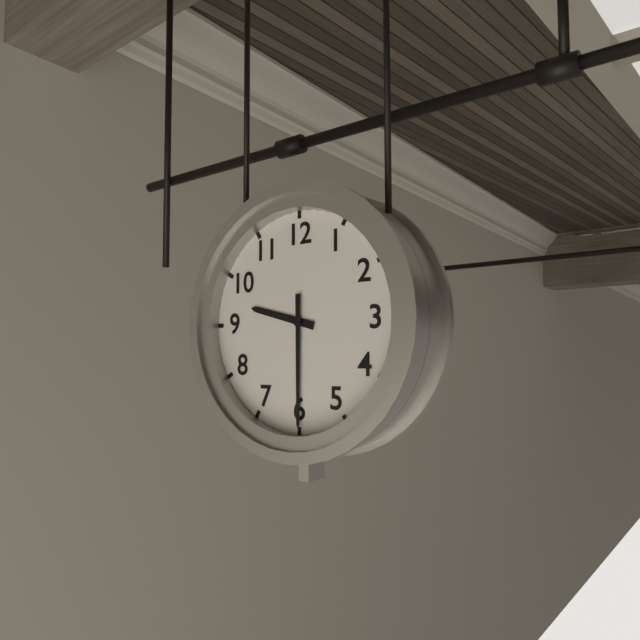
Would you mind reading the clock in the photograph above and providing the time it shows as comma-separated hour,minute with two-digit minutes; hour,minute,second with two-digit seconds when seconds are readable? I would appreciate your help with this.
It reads 9,30
